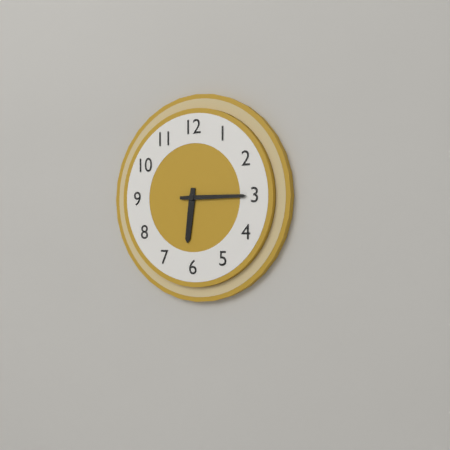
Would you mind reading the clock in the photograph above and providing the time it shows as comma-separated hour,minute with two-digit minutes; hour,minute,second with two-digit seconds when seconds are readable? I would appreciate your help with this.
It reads 6,15
